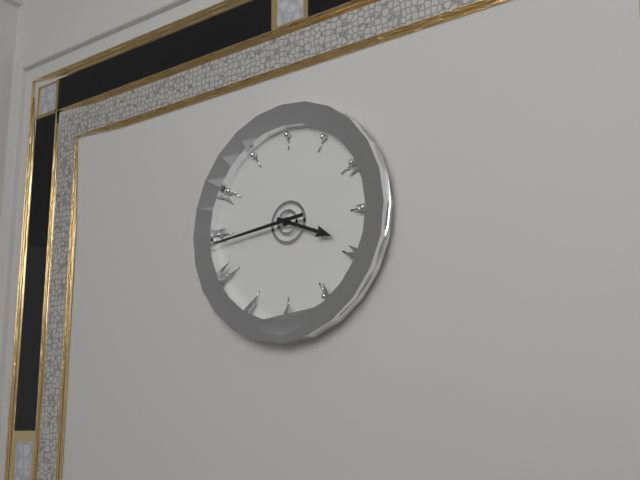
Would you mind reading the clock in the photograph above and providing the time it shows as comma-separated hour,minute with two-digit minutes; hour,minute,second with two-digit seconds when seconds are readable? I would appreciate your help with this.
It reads 3,44
